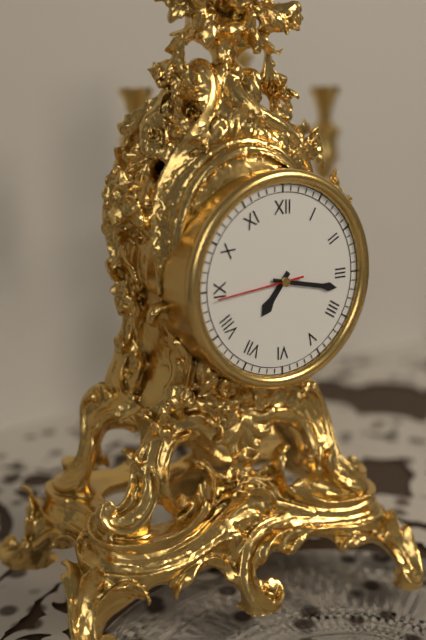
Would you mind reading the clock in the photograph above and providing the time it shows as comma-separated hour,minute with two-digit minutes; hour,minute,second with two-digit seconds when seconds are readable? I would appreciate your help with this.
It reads 7,17,44
